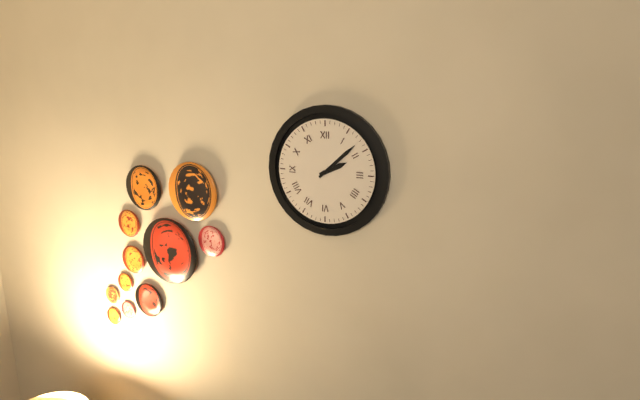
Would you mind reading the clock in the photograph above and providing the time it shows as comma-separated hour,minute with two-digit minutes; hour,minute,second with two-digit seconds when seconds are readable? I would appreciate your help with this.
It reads 2,08
